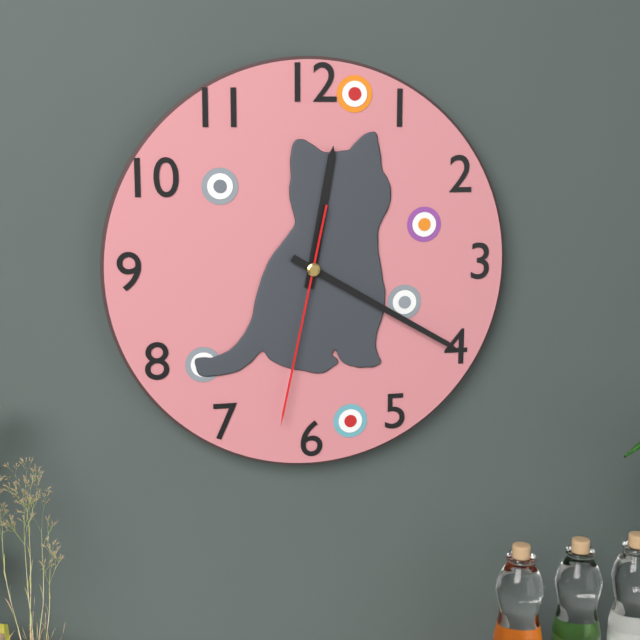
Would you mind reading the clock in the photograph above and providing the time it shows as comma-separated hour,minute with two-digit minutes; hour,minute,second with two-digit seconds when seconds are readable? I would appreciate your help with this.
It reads 12,20,32
